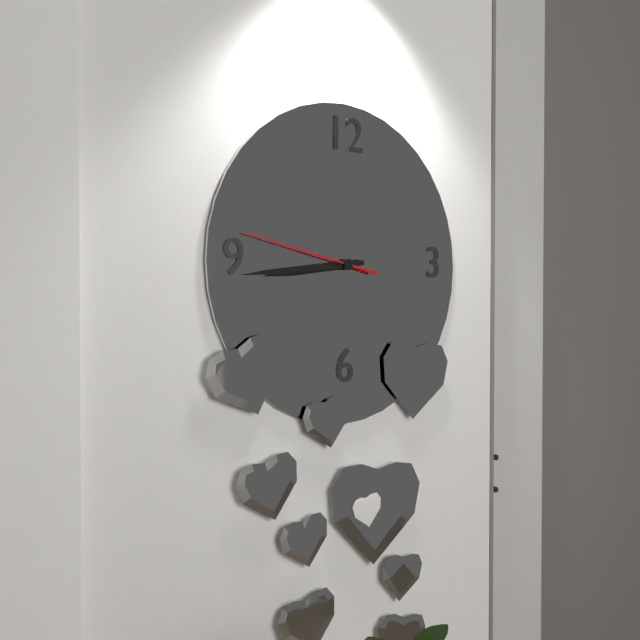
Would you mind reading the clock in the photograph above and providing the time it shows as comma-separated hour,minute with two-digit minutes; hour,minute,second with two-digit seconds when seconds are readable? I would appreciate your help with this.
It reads 8,44,47
